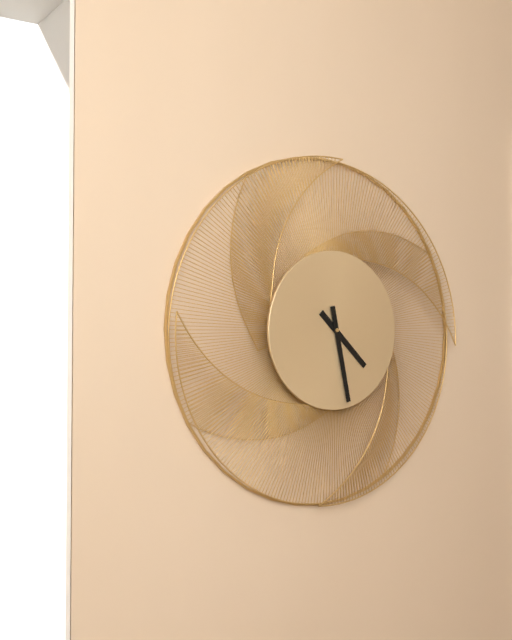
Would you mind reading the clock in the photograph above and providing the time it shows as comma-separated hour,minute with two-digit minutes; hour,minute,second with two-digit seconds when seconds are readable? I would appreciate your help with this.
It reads 4,28
